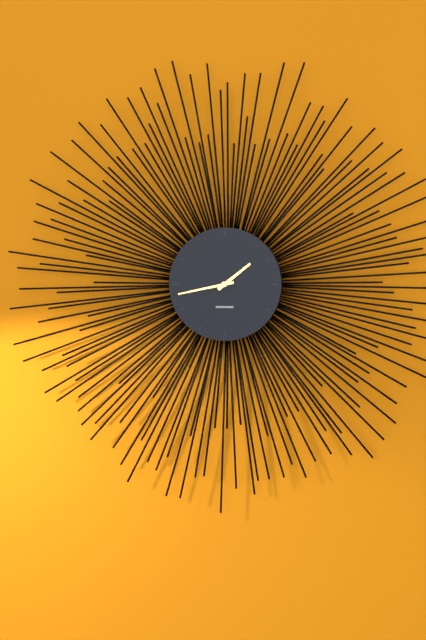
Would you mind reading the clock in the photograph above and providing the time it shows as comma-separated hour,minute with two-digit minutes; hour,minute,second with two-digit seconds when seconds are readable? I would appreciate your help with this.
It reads 1,43
